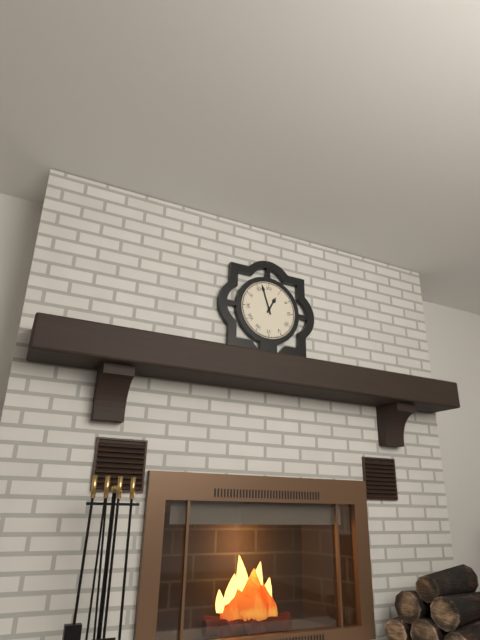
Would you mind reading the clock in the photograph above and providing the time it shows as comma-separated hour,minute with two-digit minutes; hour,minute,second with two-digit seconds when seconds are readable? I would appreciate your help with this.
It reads 12,57
